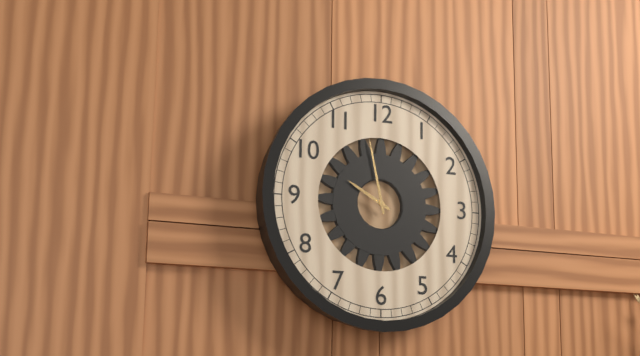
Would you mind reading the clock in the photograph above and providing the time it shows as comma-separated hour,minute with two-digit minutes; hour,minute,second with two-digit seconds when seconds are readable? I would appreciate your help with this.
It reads 9,58
